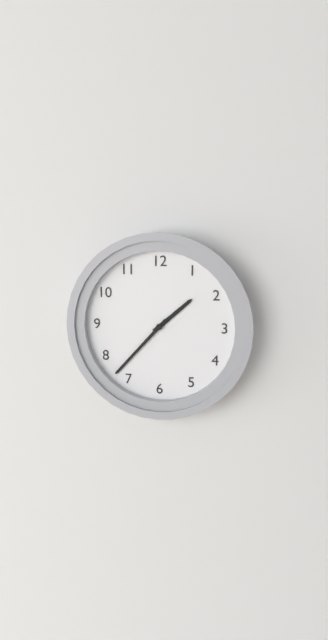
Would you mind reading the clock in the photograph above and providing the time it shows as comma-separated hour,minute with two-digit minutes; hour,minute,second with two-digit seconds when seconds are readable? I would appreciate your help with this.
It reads 1,37
